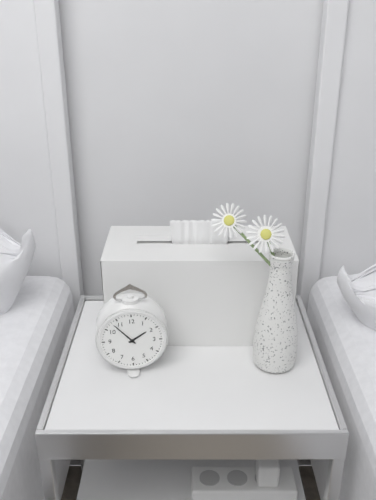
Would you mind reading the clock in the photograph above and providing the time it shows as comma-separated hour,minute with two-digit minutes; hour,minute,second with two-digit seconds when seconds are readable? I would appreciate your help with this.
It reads 1,53
